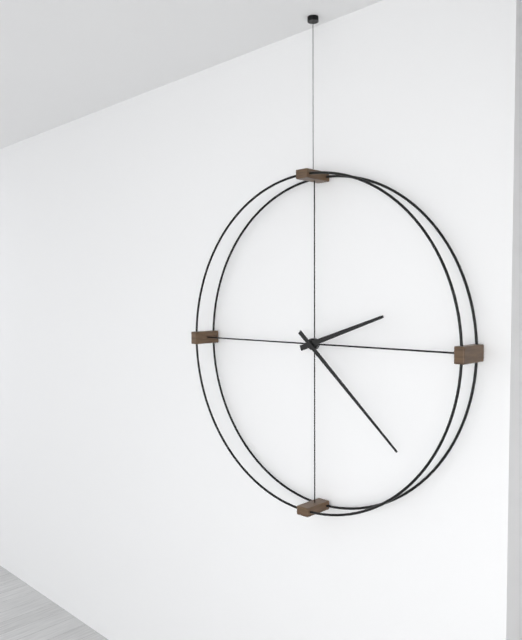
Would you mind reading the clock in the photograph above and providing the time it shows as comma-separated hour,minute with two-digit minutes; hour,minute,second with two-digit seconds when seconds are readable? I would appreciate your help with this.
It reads 2,22
